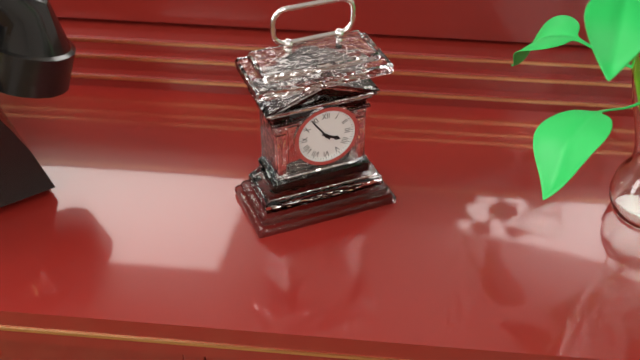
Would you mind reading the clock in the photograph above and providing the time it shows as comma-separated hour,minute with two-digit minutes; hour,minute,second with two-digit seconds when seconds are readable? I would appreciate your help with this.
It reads 3,54
